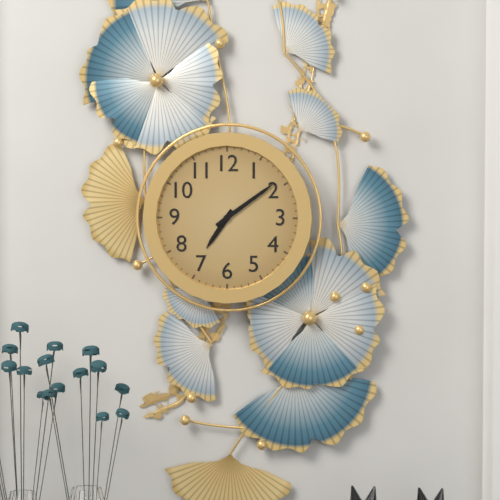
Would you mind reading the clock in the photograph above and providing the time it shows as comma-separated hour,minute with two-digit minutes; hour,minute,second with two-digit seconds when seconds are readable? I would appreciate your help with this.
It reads 7,09
